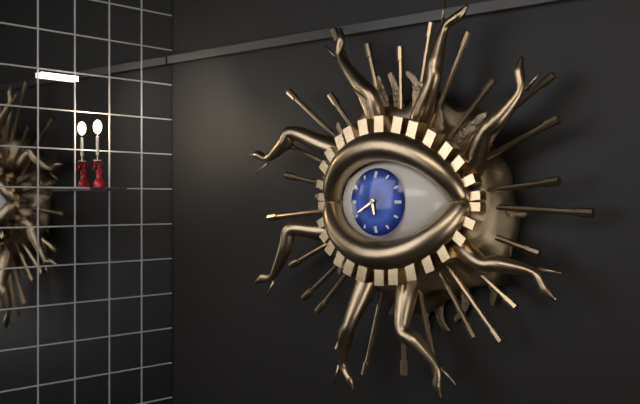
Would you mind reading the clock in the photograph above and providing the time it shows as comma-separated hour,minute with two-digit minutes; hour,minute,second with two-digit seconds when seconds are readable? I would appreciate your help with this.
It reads 5,40
